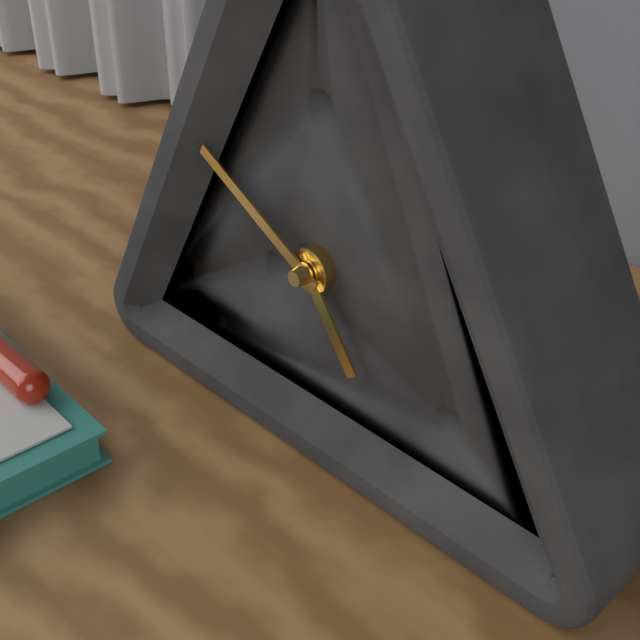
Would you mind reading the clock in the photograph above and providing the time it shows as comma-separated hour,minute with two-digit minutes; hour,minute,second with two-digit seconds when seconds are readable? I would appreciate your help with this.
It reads 4,50
